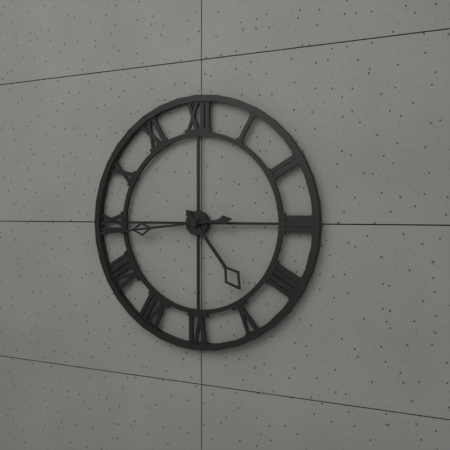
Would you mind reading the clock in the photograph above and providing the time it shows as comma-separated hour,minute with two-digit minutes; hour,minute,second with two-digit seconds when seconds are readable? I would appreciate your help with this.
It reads 4,44
